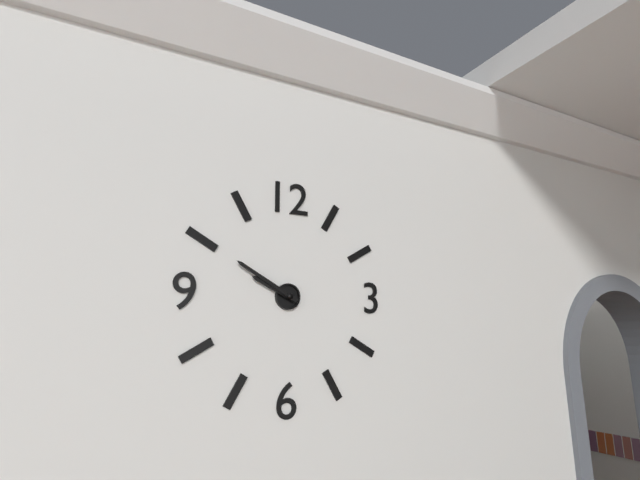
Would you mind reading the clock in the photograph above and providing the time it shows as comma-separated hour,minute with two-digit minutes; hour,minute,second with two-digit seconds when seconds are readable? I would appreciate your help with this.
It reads 9,50
